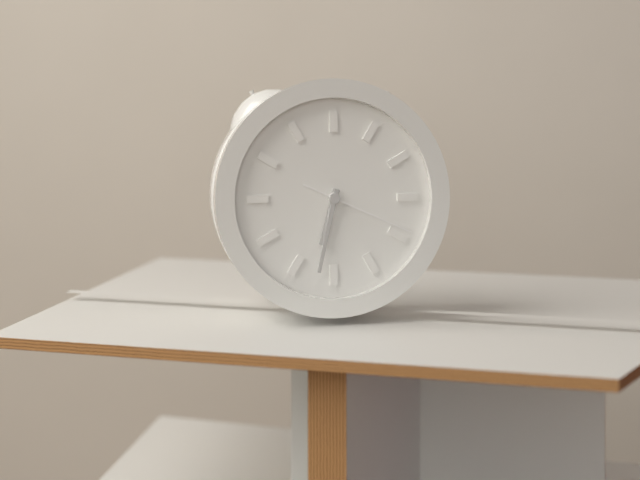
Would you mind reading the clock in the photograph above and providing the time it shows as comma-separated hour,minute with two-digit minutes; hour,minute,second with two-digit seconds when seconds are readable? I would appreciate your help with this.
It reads 6,32,19
